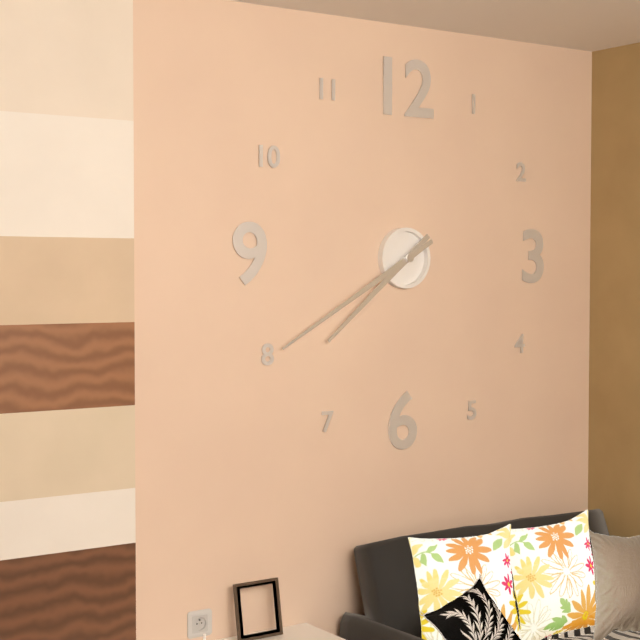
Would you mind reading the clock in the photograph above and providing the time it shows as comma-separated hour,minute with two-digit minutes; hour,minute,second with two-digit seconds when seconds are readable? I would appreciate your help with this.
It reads 7,40
